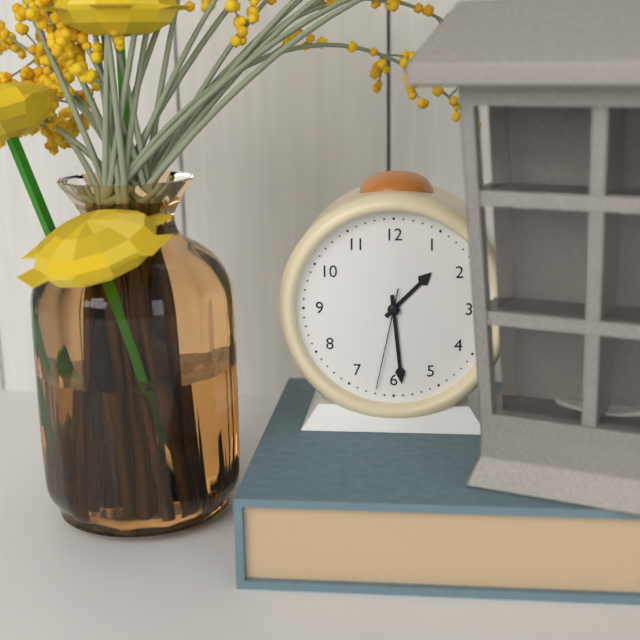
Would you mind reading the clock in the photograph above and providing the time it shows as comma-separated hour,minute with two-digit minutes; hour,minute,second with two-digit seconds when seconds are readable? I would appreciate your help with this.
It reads 1,29,32
